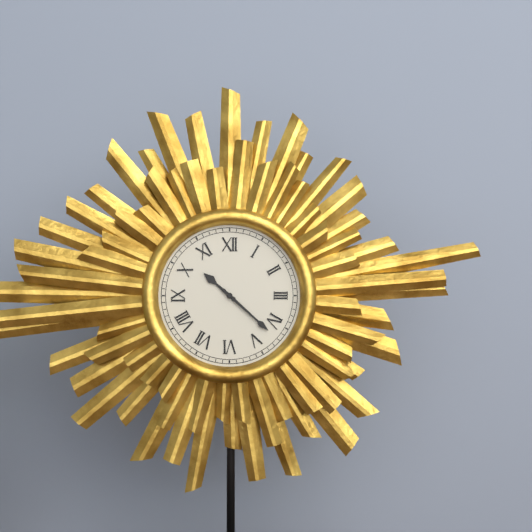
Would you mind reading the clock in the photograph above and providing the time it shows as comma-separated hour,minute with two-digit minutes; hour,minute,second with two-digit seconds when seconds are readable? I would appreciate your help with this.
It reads 10,22
